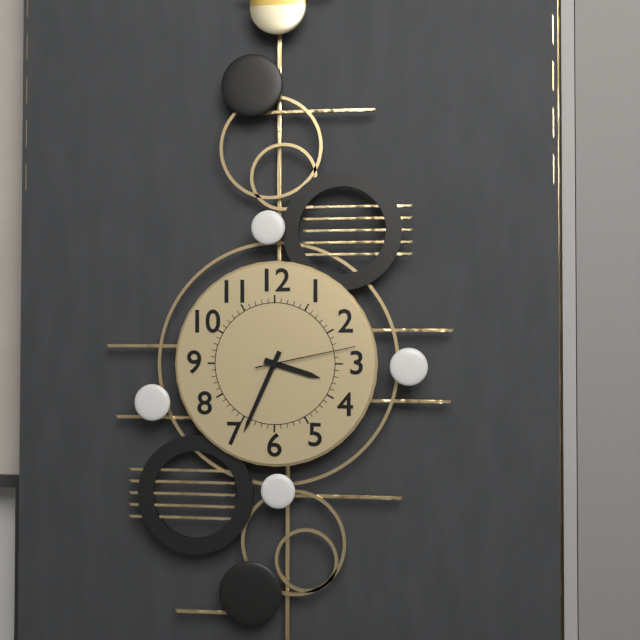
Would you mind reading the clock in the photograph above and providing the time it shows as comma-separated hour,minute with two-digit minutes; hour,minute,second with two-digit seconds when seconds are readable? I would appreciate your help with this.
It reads 3,34,13
